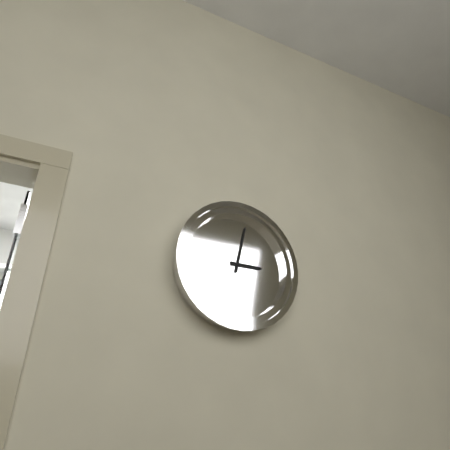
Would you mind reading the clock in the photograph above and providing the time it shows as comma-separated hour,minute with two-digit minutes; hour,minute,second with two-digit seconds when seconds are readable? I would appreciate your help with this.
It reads 3,02
